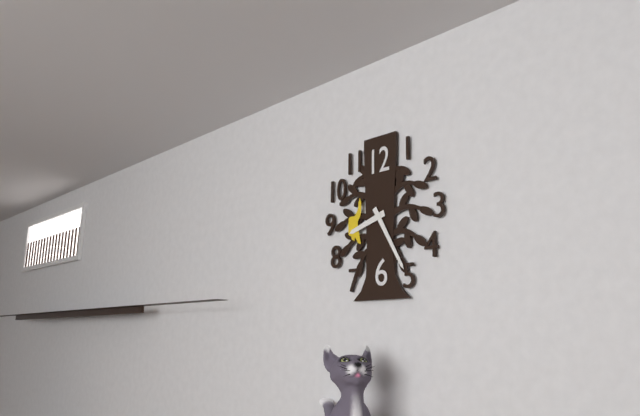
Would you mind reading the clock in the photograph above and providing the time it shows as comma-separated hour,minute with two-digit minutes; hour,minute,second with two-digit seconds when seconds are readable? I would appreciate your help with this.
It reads 8,25
